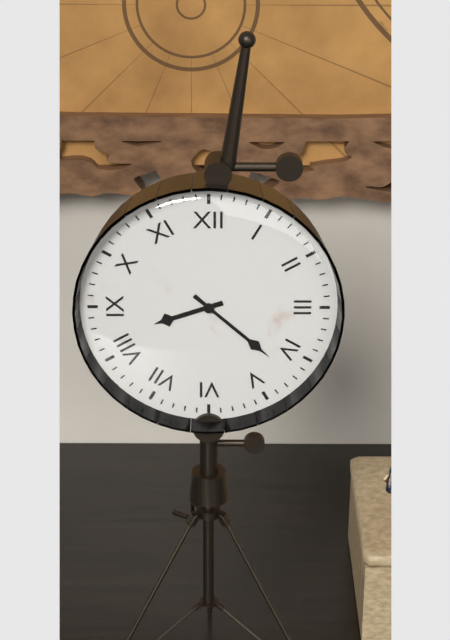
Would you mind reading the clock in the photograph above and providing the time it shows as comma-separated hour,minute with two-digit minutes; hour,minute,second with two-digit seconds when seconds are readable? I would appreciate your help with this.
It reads 8,22
